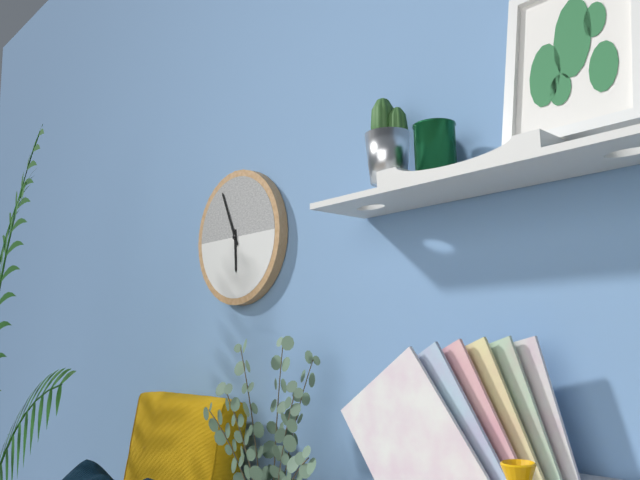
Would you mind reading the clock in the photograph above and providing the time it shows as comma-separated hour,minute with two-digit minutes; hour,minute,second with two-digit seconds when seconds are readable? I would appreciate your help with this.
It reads 5,56
